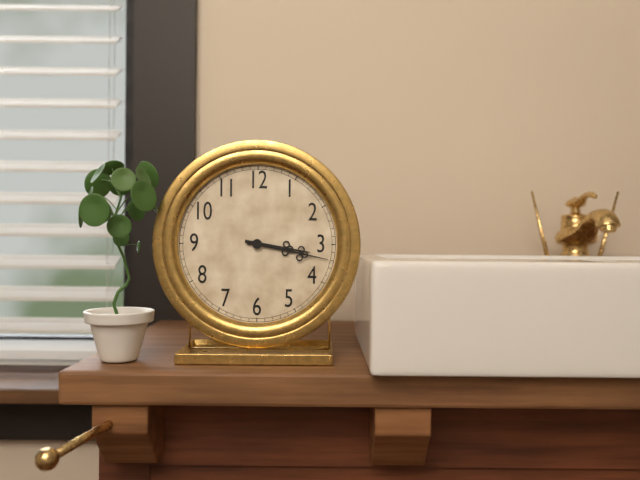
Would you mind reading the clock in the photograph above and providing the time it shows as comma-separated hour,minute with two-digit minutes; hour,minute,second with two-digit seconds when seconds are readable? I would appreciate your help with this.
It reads 3,17
